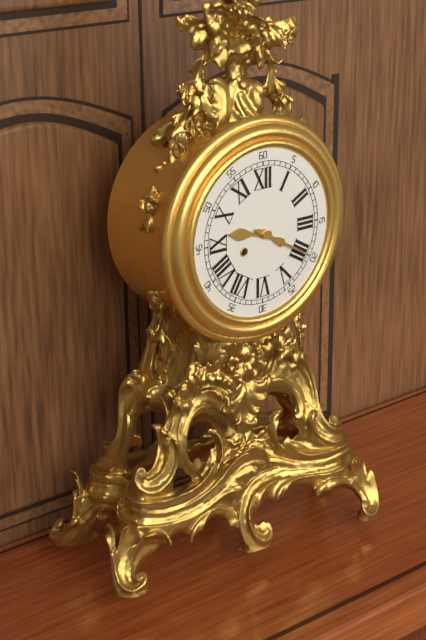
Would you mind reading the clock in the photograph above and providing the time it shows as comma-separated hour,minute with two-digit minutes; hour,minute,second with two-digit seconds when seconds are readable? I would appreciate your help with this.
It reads 9,20
